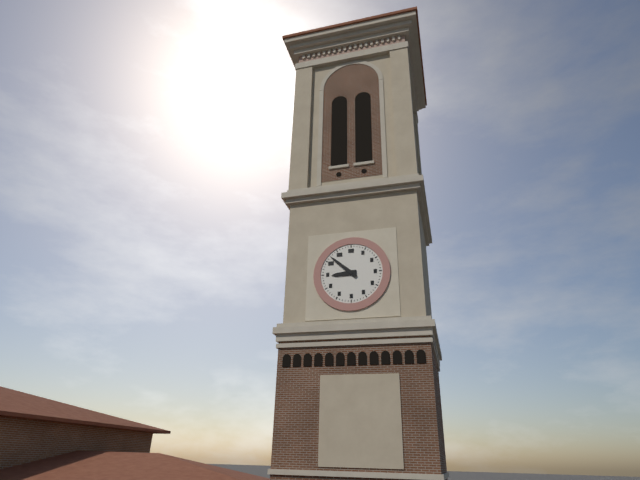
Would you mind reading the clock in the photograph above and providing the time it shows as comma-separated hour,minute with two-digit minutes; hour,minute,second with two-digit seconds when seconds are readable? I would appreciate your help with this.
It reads 8,52
